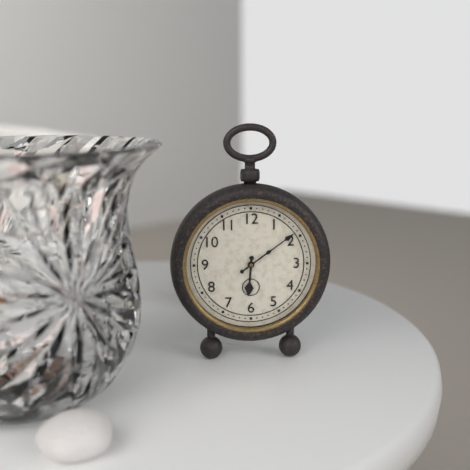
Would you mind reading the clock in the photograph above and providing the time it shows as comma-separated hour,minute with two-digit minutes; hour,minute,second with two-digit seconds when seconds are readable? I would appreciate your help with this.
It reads 6,09
